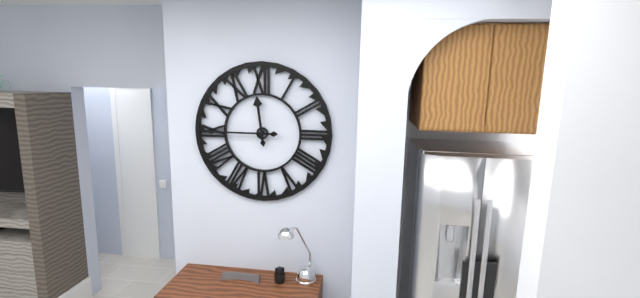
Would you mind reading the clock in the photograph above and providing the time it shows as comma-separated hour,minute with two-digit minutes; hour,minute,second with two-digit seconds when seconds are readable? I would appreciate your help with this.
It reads 11,45
